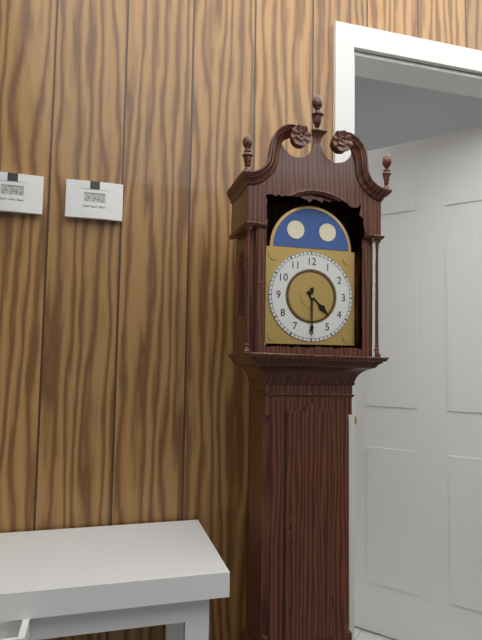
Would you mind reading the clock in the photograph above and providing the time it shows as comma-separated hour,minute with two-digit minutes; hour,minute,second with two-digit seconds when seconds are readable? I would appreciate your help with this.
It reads 4,30
